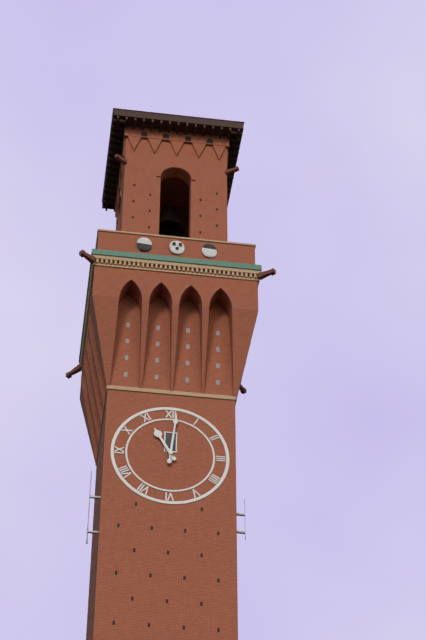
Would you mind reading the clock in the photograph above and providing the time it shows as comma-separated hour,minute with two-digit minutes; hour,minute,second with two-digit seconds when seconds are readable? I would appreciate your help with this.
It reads 11,01
